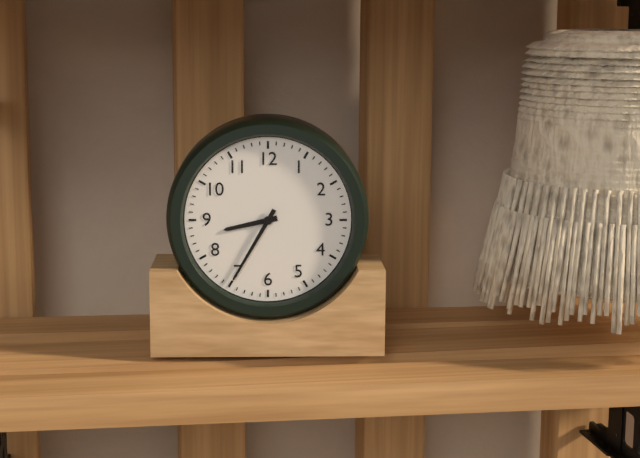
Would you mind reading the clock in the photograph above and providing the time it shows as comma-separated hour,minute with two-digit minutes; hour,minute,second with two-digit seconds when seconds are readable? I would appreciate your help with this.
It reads 8,35
